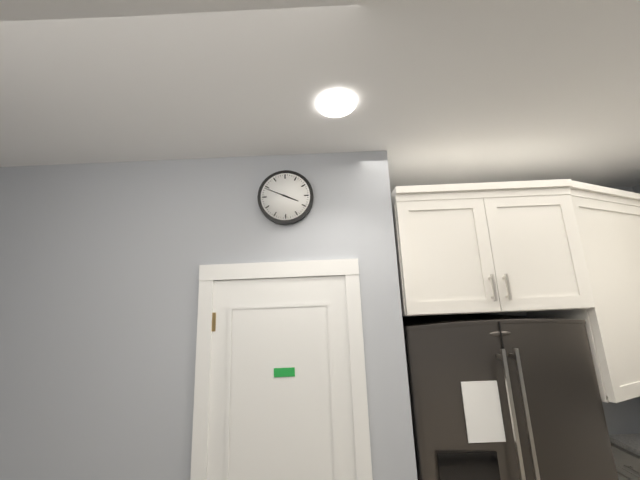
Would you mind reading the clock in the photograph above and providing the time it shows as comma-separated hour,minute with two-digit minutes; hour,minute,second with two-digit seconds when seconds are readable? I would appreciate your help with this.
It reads 3,49
